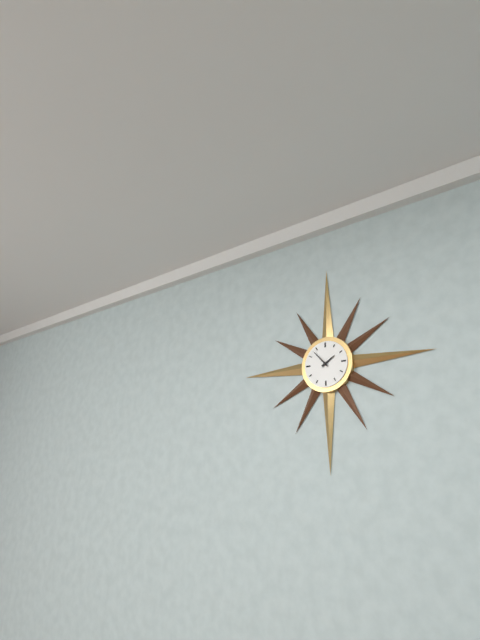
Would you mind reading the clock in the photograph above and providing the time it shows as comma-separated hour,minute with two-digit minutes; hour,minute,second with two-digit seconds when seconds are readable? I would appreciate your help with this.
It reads 1,53
